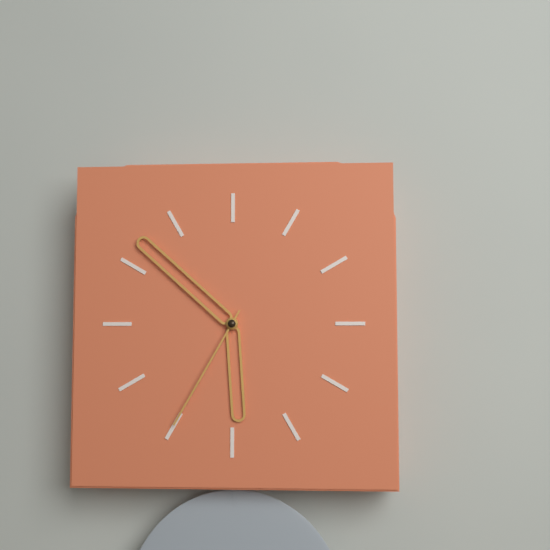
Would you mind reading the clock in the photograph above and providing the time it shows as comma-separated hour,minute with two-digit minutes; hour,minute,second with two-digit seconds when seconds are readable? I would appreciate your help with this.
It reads 5,52,35
